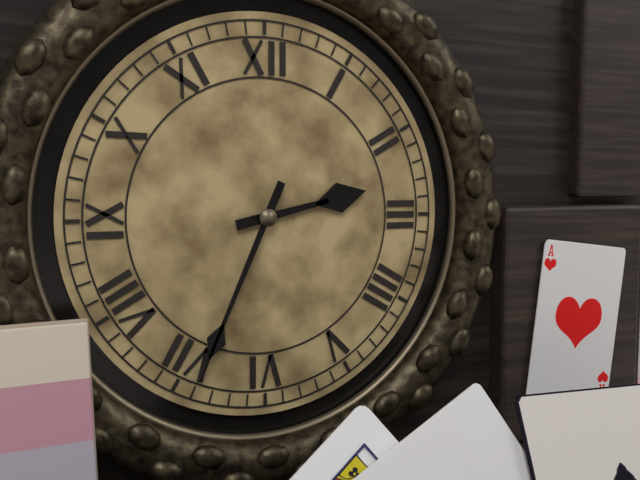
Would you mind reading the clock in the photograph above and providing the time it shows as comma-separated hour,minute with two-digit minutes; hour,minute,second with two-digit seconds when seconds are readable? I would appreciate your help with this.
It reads 2,34
